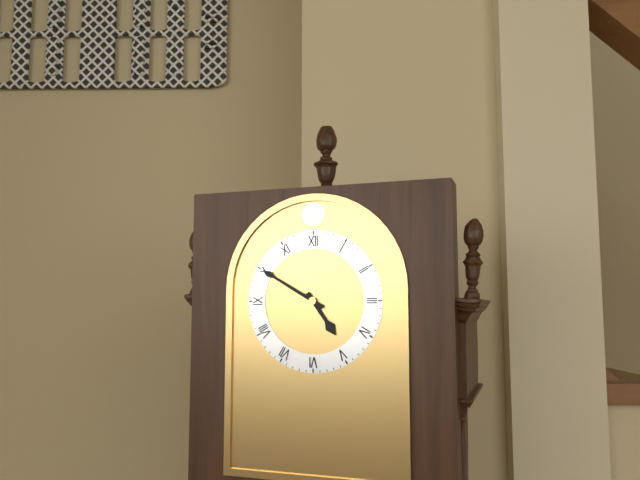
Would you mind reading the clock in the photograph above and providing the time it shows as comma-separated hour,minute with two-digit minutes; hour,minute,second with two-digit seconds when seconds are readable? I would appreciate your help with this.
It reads 4,50
